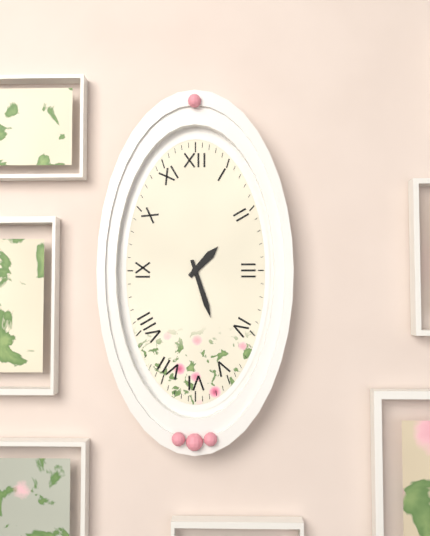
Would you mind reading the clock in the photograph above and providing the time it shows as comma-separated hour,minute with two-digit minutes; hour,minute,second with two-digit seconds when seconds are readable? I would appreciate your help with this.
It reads 1,27
